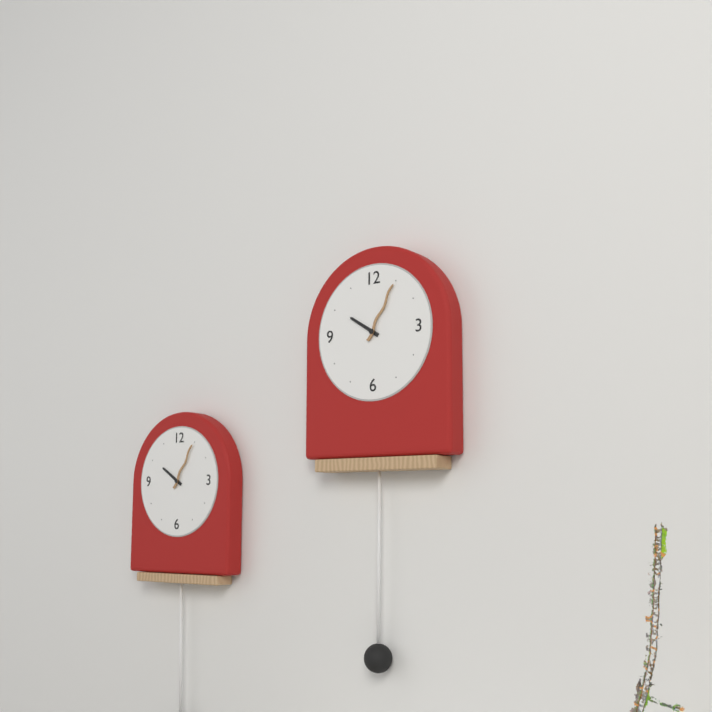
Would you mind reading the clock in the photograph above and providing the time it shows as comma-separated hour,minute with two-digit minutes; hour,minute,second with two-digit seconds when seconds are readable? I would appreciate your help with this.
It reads 10,05
